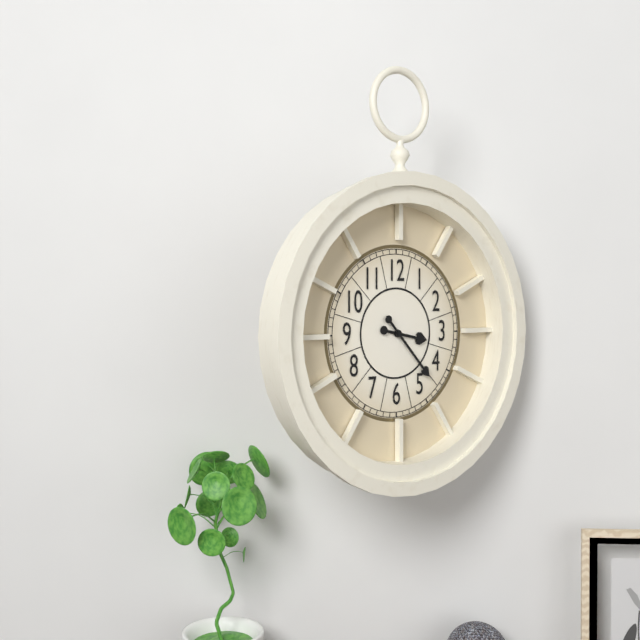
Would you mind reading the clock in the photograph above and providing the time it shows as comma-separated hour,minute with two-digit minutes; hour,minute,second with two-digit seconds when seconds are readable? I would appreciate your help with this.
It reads 3,23
